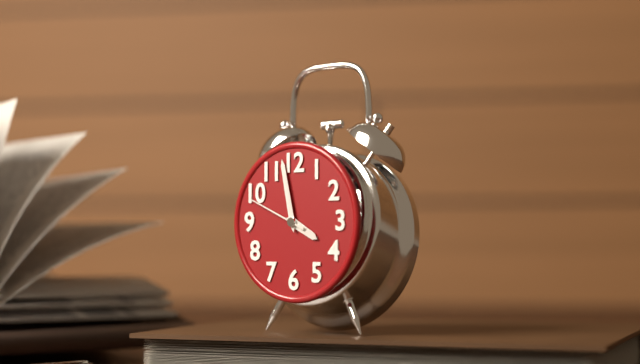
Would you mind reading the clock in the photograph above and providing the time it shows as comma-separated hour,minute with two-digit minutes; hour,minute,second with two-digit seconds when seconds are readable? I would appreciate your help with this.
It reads 3,58,49
